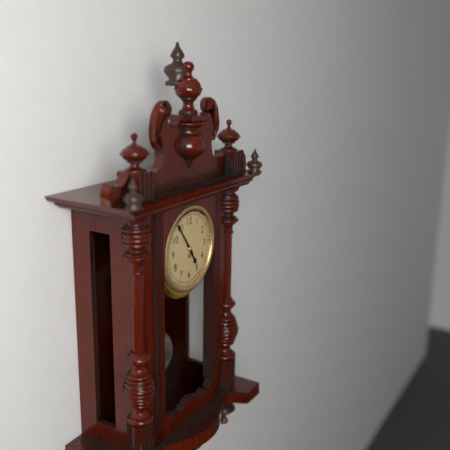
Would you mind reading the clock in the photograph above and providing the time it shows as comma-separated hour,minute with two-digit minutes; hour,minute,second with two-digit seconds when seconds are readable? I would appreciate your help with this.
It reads 4,54
